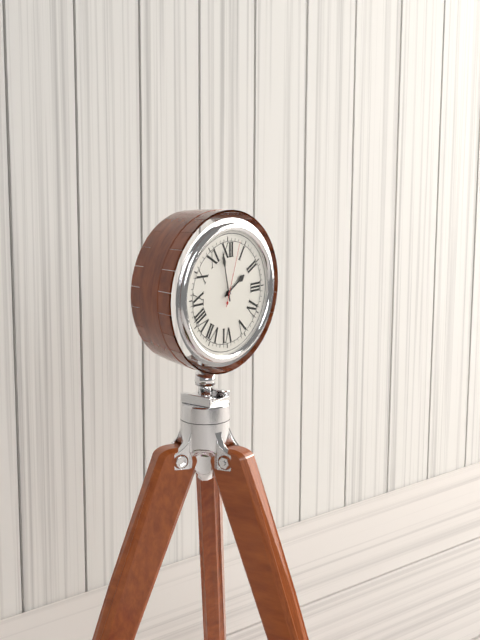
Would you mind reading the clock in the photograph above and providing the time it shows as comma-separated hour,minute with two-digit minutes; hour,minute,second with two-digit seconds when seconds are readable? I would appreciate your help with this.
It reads 1,58,03
